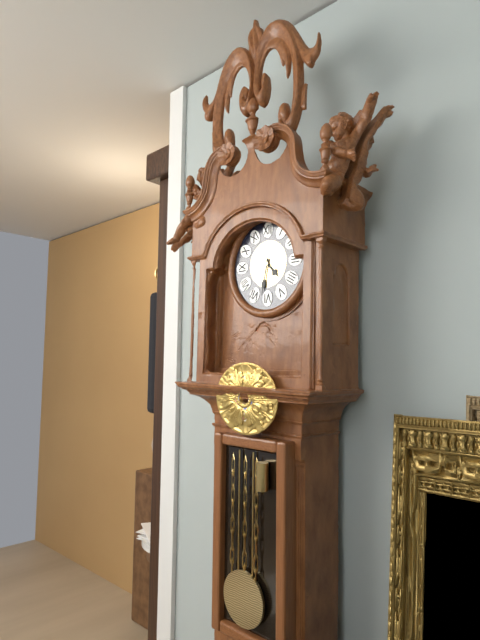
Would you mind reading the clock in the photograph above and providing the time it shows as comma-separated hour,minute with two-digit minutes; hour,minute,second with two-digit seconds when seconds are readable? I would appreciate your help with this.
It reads 4,32
